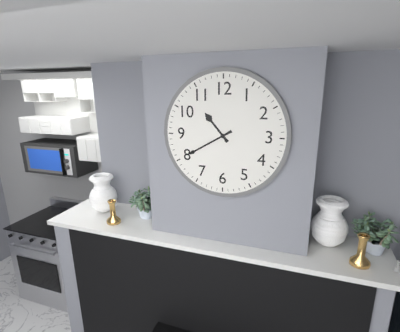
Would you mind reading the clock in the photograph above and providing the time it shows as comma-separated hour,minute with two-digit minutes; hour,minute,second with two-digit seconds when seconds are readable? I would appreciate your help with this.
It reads 10,40
